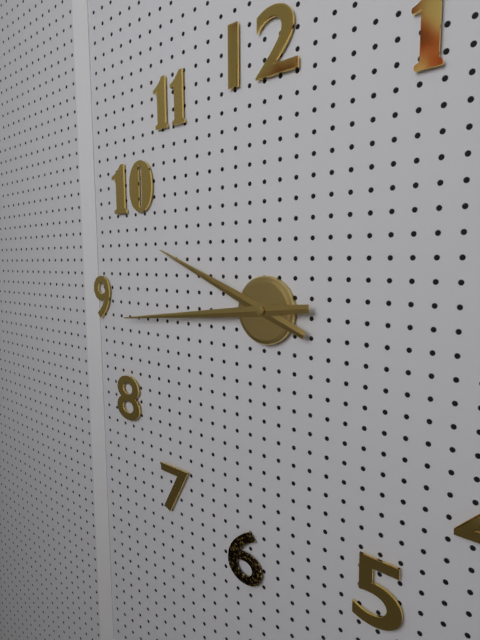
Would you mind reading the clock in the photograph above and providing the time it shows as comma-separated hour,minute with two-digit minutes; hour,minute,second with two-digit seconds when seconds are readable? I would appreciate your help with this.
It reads 9,44
